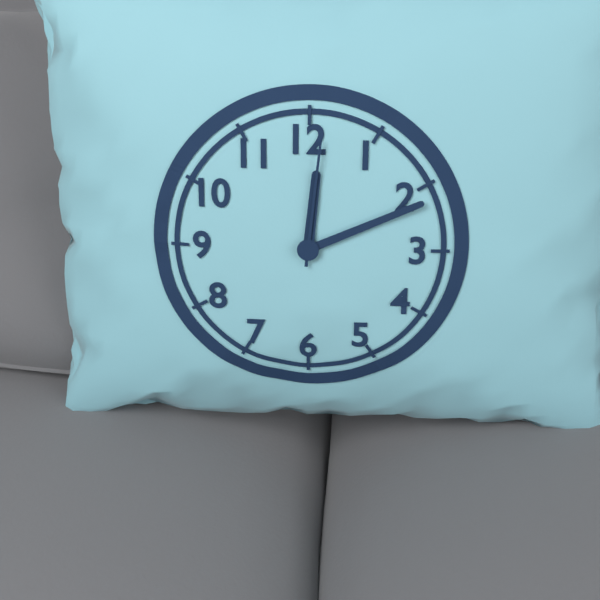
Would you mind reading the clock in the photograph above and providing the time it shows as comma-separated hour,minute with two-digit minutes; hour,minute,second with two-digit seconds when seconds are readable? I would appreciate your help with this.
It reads 12,11,01
